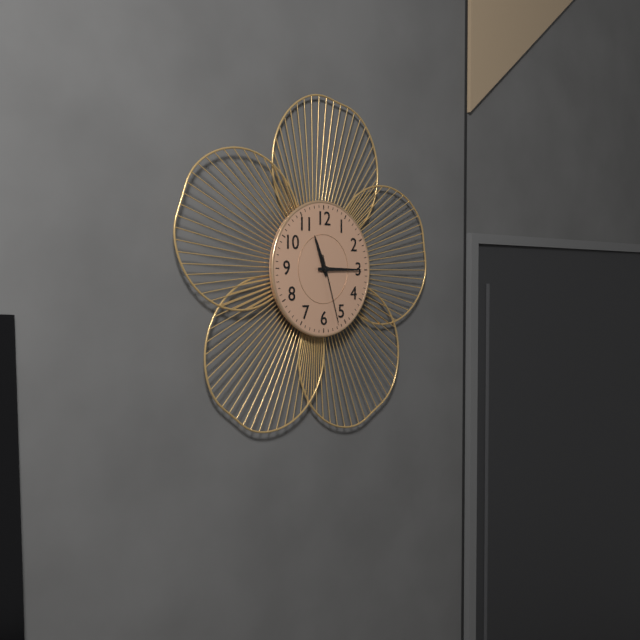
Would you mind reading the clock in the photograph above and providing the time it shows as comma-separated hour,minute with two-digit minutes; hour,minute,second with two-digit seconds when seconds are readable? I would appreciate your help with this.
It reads 11,15,27
